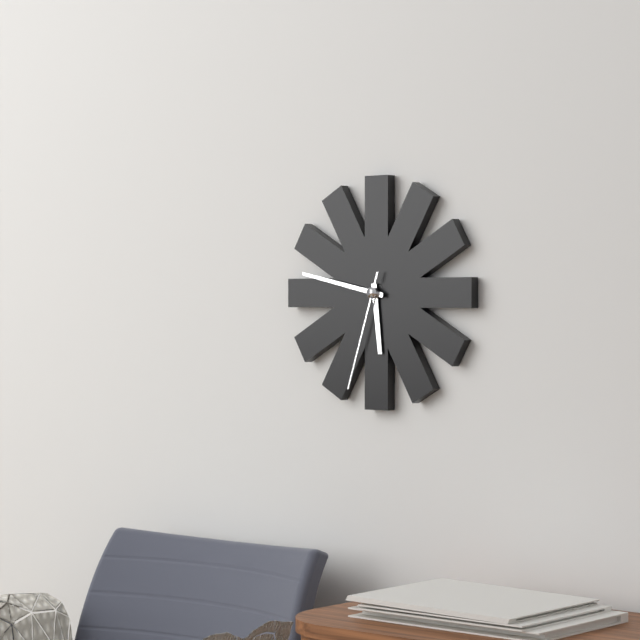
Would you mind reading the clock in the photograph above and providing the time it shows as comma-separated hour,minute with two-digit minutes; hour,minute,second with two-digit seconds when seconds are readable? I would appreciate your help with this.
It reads 5,47,33
